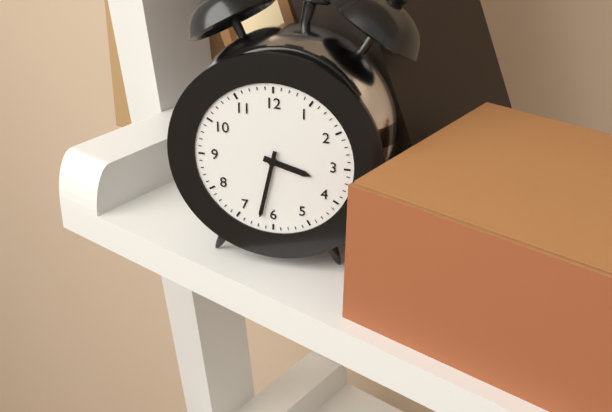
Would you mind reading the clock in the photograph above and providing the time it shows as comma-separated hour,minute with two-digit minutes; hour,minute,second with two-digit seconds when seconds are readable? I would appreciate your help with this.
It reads 3,32
